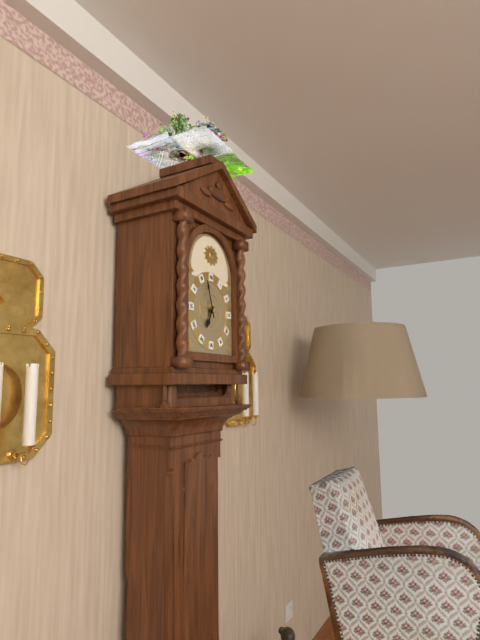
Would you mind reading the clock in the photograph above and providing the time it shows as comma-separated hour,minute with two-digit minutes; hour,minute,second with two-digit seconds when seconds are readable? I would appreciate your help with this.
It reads 6,57
